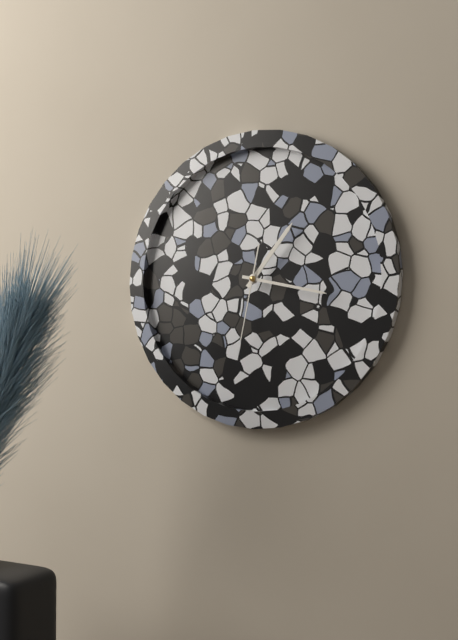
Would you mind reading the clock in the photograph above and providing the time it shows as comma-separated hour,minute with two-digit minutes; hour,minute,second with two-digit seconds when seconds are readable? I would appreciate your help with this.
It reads 1,17,32
